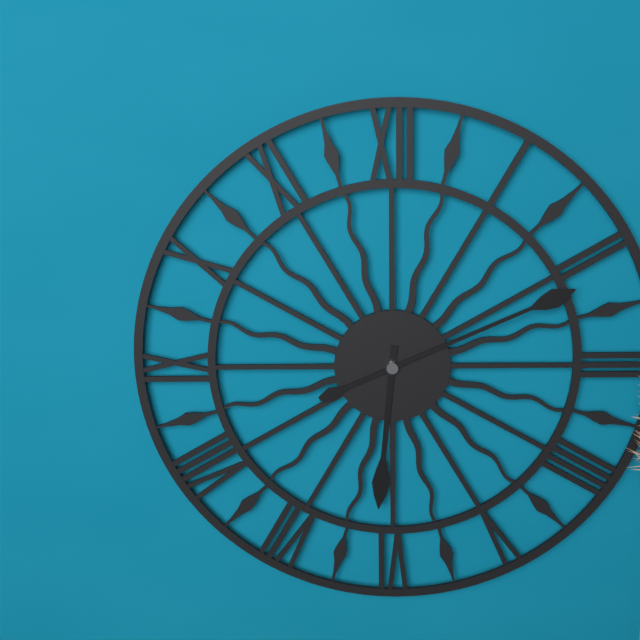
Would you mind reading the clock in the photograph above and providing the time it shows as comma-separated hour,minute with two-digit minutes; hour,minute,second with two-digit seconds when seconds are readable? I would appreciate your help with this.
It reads 6,11
